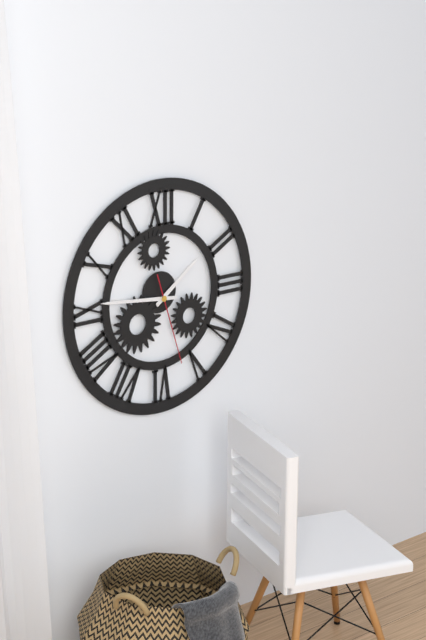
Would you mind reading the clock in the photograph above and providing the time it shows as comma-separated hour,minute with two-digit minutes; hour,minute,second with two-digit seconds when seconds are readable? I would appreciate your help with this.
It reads 1,46,27
